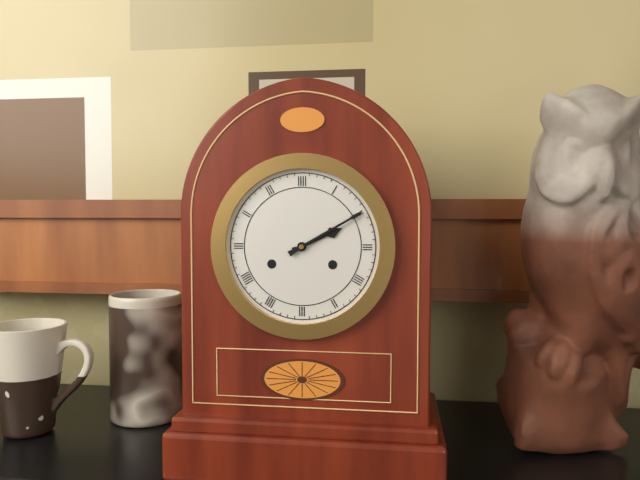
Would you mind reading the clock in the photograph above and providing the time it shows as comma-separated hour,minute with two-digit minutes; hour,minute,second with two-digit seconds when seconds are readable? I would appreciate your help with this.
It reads 2,10
